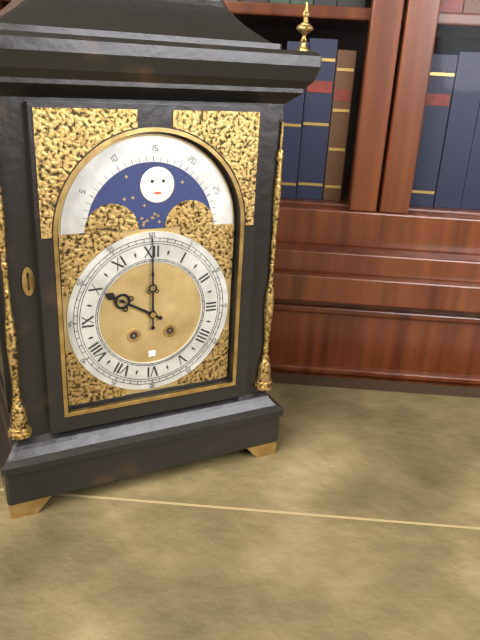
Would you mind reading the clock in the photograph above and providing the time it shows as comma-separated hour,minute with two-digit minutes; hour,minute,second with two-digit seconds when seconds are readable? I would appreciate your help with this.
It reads 10,00
